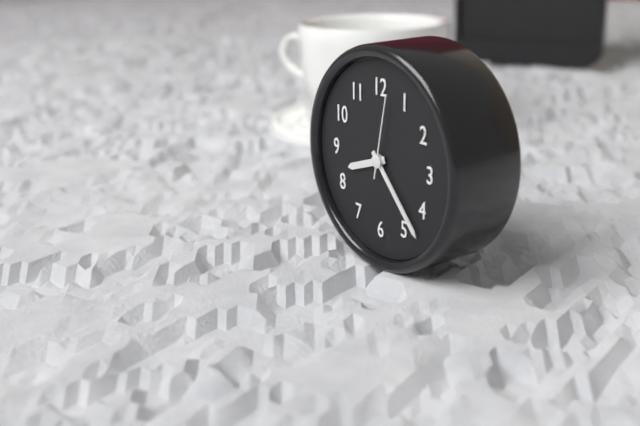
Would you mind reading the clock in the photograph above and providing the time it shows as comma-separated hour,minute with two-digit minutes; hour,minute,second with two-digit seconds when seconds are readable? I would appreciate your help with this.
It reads 8,23,02
